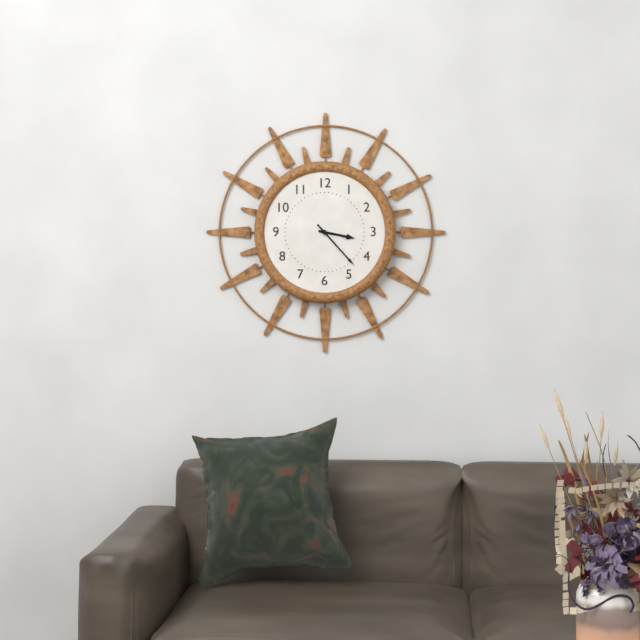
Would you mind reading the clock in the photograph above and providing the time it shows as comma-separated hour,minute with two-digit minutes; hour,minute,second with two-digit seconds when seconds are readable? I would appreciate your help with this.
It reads 3,23
